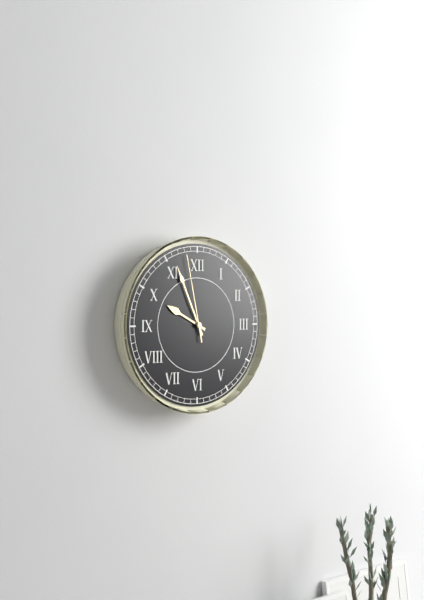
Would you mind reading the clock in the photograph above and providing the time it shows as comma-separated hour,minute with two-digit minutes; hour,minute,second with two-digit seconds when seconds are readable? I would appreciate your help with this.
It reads 9,56,58
